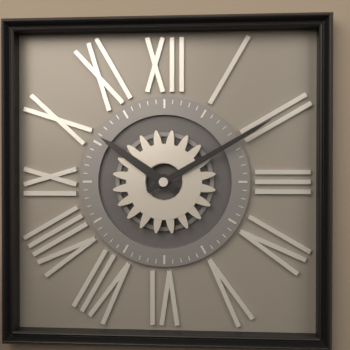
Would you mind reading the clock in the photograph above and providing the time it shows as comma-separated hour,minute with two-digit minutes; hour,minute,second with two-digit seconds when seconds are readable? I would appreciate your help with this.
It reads 10,10
